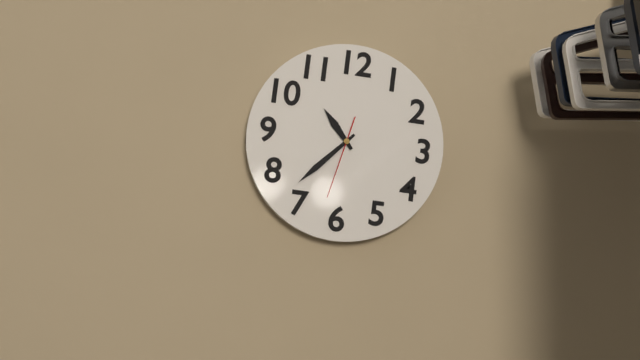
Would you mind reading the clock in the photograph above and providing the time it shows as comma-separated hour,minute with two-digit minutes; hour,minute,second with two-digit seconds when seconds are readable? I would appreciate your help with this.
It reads 10,37,32
